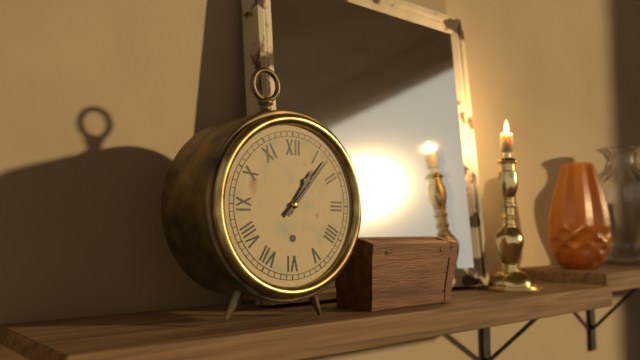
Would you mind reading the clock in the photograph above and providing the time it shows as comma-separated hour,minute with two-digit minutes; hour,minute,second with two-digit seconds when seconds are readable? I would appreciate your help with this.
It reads 1,07
